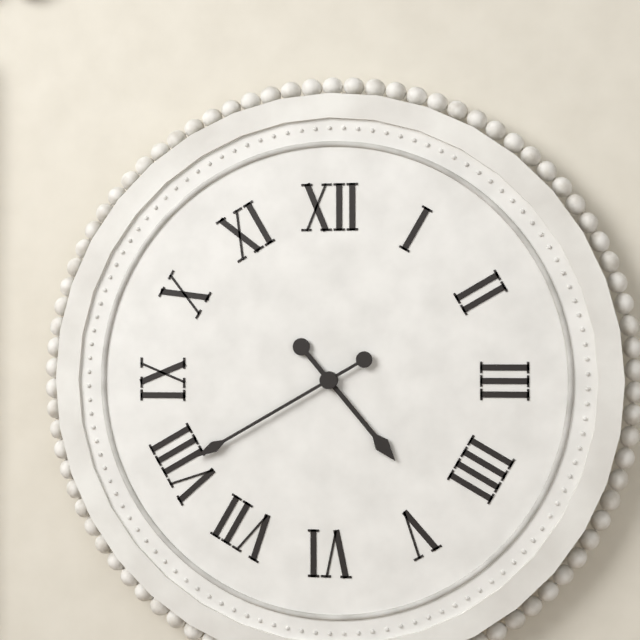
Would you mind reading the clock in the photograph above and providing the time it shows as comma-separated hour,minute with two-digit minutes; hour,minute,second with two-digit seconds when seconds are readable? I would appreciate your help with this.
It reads 4,40
